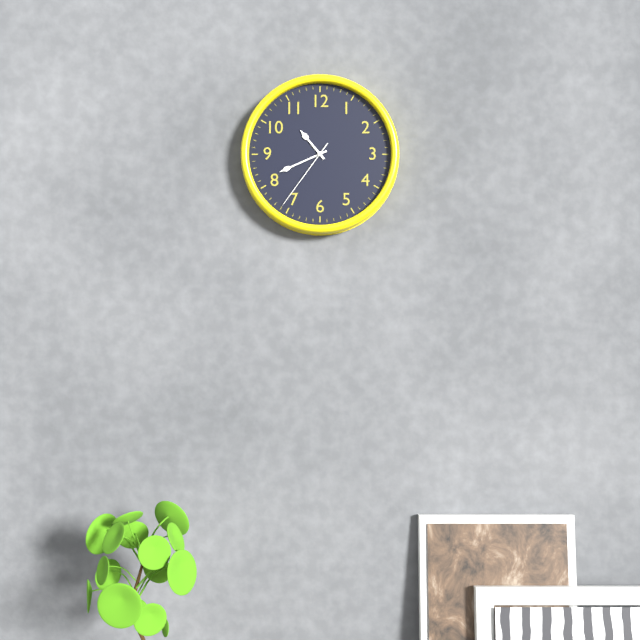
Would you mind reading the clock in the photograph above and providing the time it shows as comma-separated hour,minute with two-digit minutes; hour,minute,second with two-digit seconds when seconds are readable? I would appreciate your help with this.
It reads 10,41,36
